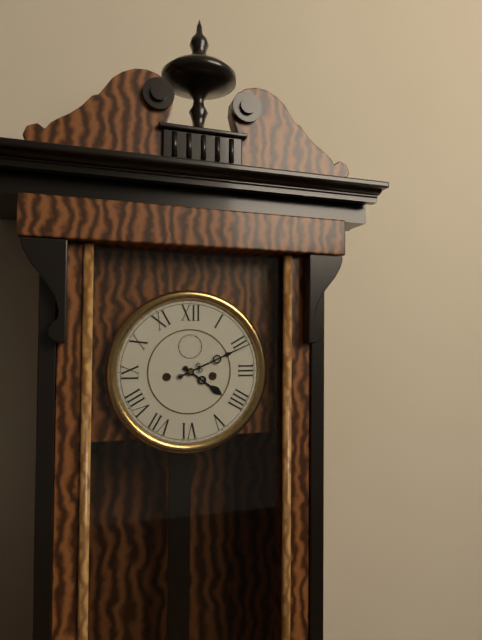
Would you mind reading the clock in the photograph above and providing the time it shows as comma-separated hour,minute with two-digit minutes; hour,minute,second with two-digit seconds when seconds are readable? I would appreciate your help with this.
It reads 4,11
